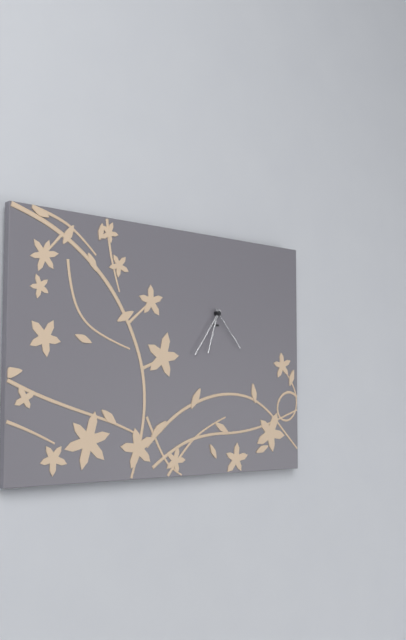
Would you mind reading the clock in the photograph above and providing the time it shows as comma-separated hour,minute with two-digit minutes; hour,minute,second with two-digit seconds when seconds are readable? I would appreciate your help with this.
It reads 6,36,23
